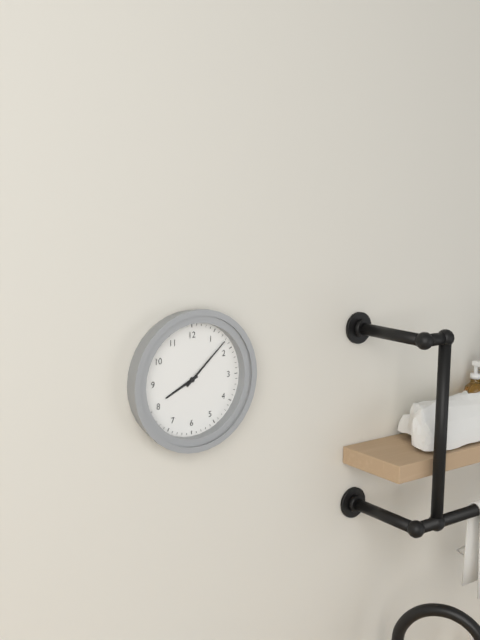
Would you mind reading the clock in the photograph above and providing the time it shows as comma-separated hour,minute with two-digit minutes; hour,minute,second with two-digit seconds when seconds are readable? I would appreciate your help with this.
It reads 8,08
